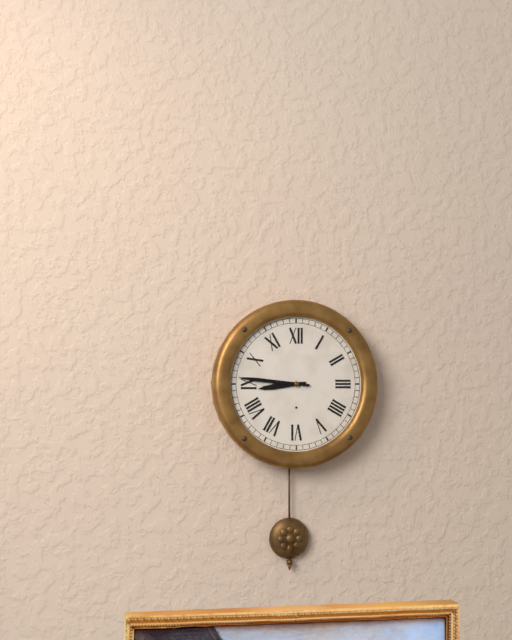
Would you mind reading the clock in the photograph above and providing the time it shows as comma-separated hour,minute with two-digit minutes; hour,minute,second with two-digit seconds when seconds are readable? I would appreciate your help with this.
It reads 8,46
